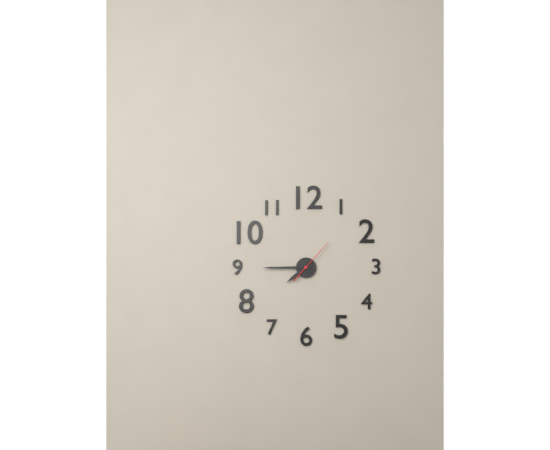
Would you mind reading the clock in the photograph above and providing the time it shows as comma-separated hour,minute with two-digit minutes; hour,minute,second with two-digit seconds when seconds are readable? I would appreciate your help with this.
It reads 7,45
